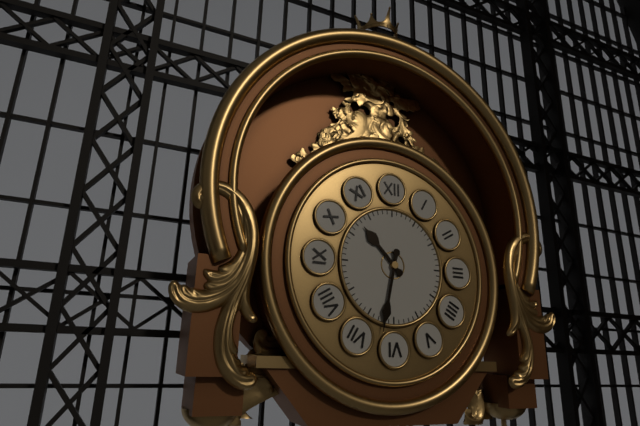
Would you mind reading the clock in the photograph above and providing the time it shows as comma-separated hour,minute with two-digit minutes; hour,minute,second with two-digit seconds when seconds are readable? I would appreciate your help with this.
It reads 10,32
